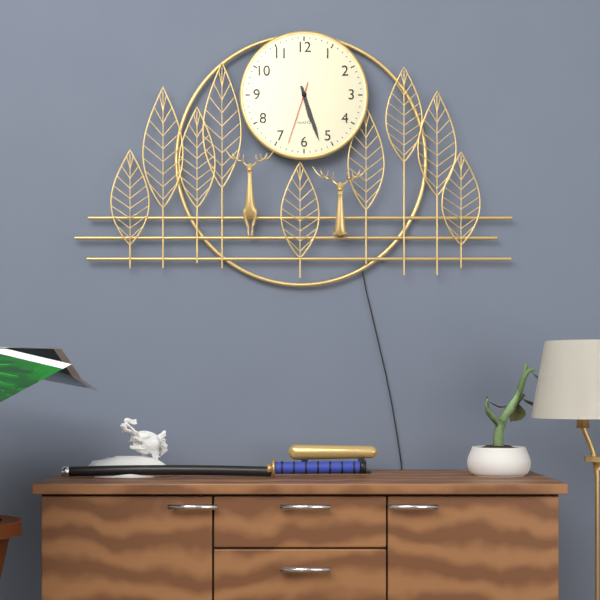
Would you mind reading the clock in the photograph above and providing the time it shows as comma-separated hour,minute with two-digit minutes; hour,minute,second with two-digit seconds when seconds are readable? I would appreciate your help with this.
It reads 5,27,33
